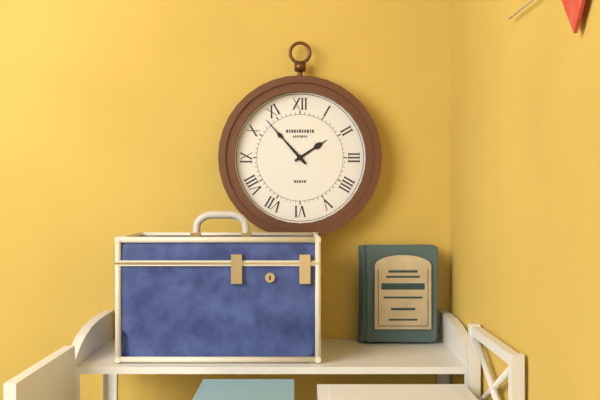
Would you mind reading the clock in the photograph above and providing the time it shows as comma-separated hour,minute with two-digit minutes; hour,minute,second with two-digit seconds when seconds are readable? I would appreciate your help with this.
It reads 1,53
